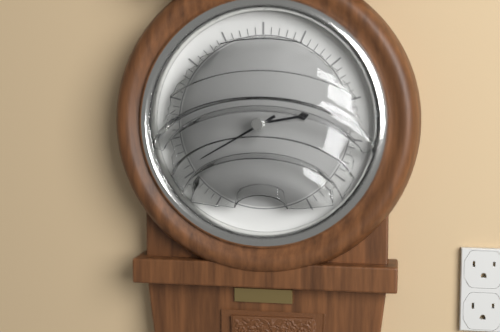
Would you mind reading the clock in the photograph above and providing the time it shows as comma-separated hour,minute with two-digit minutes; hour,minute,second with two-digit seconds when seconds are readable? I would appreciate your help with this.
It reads 2,40
